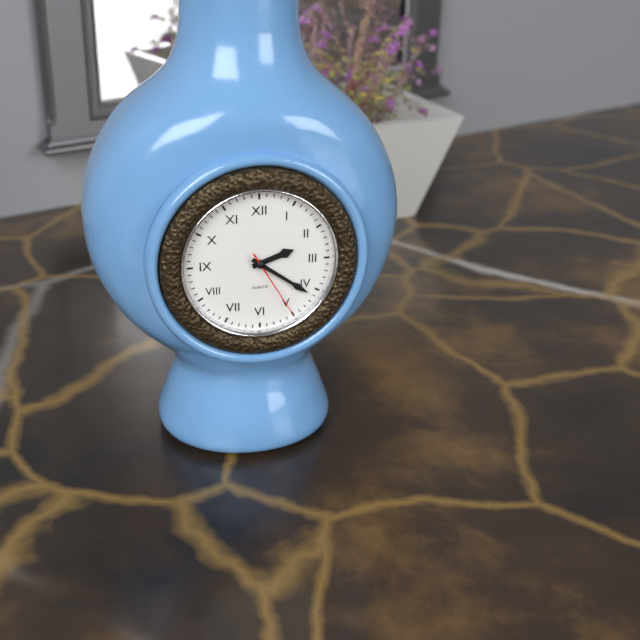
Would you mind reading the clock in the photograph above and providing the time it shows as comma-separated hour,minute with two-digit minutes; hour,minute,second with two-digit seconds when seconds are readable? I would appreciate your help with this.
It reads 2,21,25
